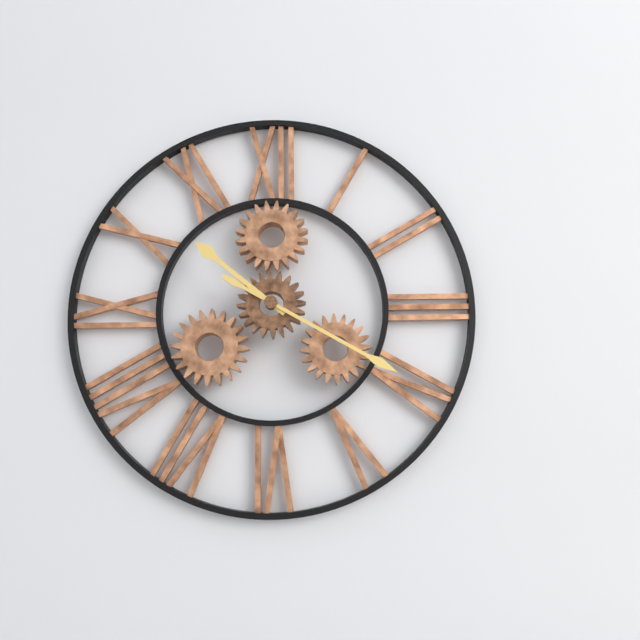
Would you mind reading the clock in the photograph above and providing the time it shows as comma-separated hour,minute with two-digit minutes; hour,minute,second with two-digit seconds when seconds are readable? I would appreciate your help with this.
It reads 10,20
